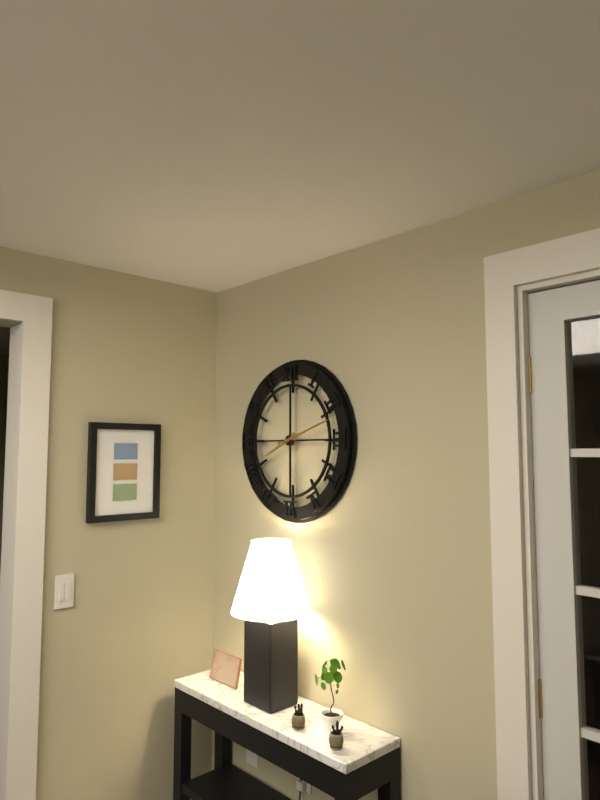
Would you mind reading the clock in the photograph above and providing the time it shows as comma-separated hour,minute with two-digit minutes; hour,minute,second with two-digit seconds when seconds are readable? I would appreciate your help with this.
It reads 8,12
